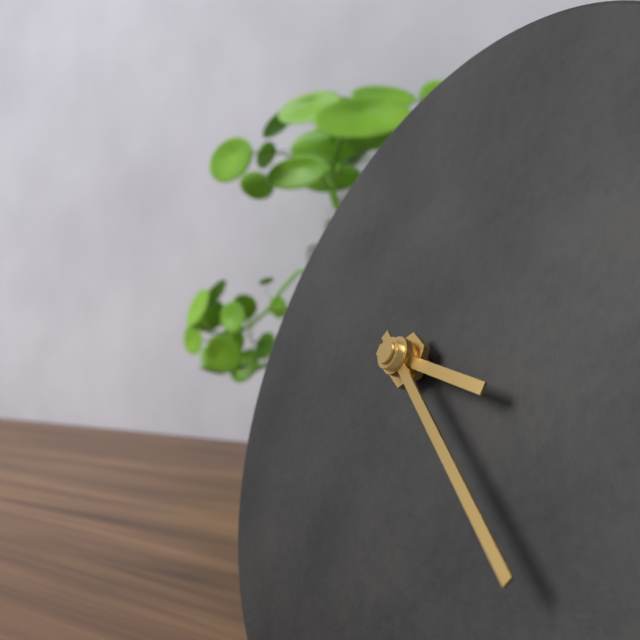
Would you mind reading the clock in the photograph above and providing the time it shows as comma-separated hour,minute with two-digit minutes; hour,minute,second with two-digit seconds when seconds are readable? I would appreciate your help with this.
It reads 3,21
